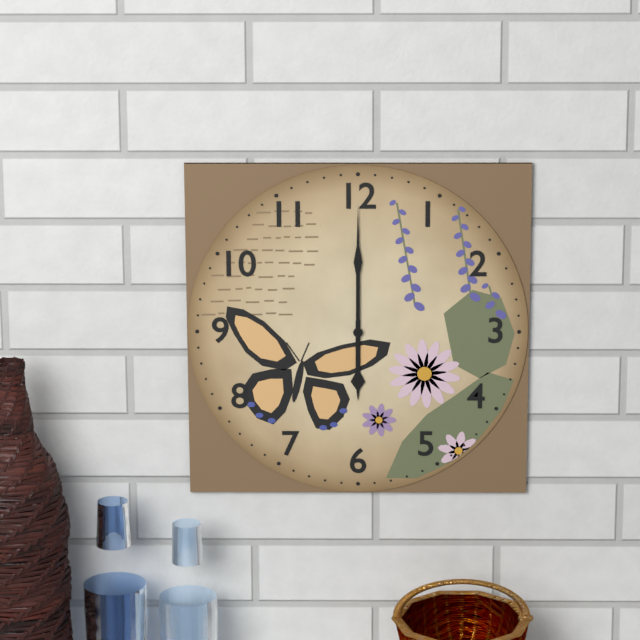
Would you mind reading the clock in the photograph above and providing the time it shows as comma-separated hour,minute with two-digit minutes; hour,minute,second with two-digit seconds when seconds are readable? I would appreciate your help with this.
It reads 6,00
